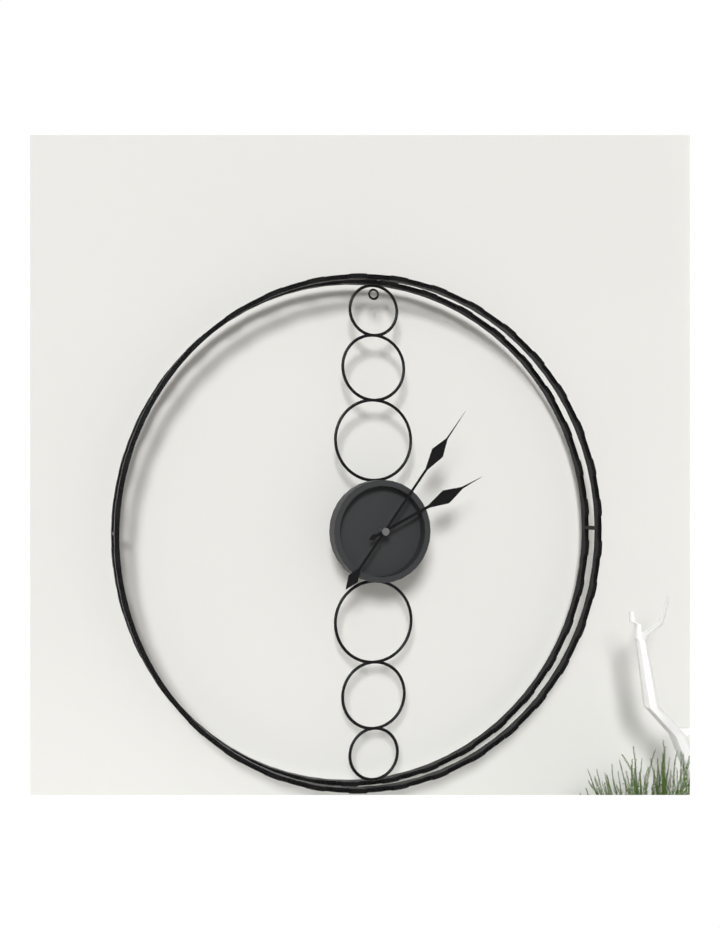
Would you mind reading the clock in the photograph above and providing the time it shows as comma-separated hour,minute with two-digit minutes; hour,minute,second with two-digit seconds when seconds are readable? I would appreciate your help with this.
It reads 2,06
